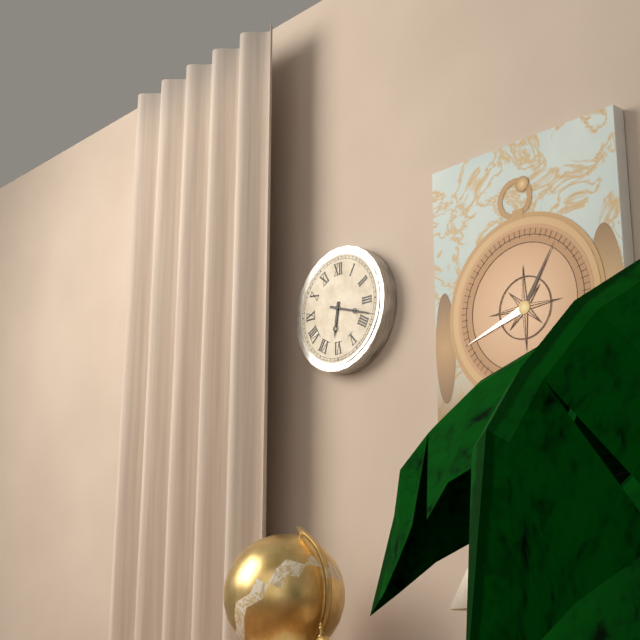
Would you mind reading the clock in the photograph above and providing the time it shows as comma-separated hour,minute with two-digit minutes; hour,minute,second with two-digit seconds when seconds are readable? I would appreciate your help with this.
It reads 6,18
